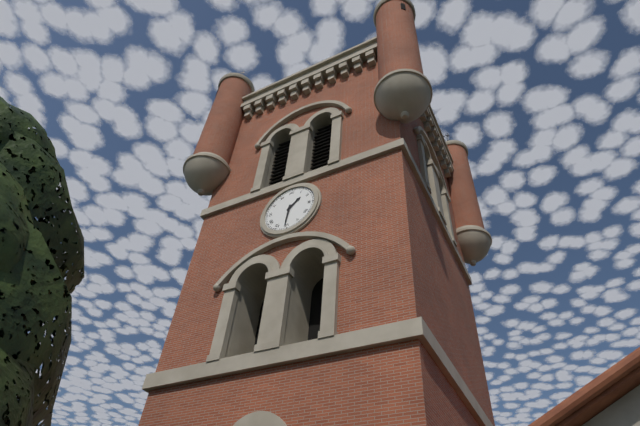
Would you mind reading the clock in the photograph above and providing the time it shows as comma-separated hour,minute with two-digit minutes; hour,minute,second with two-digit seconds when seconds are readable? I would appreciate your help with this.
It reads 1,31
